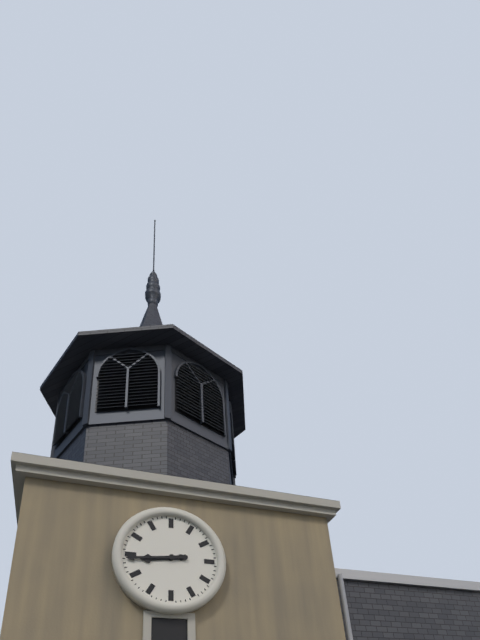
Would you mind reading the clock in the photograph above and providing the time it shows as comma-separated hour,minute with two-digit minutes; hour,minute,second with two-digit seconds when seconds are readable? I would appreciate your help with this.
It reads 8,44
